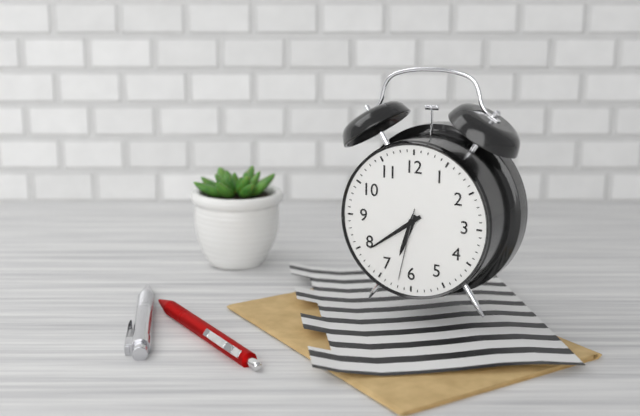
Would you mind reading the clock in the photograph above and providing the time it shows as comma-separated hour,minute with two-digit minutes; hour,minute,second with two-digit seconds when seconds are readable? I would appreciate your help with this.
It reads 6,39,32
